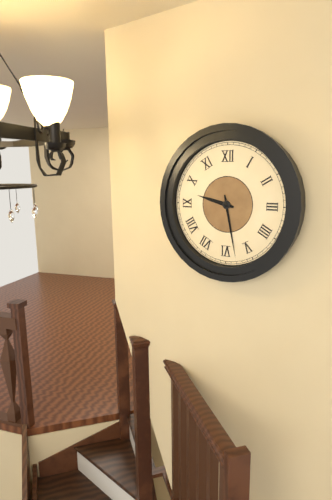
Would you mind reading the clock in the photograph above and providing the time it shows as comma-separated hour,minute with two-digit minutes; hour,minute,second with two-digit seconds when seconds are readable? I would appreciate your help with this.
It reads 9,28
